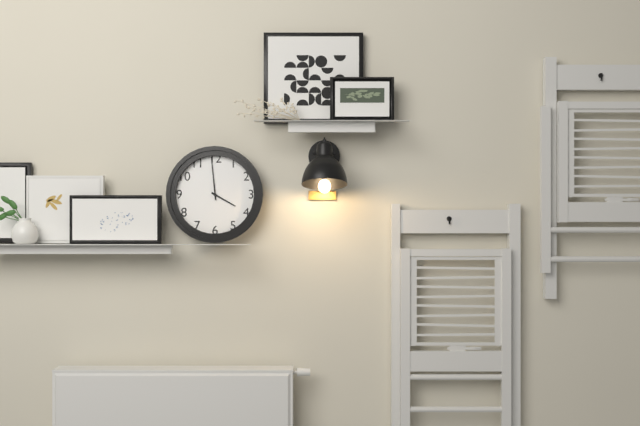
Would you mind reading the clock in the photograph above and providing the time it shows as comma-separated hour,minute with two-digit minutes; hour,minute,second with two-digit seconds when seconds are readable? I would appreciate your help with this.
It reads 3,59
